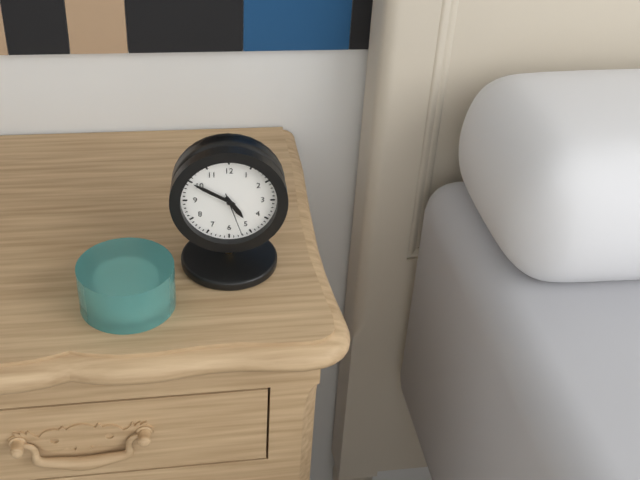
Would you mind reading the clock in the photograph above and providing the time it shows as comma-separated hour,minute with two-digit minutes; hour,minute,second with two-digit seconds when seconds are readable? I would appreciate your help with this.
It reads 4,50
